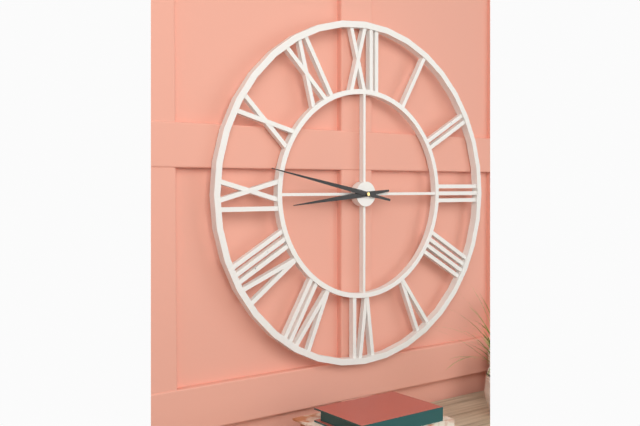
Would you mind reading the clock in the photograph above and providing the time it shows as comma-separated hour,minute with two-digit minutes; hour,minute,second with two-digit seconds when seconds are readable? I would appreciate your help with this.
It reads 8,47
